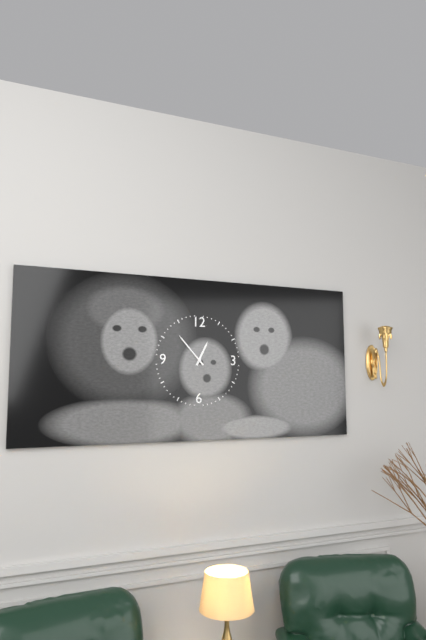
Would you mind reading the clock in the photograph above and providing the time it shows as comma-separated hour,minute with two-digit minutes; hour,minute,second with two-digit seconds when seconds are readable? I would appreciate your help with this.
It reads 12,53
